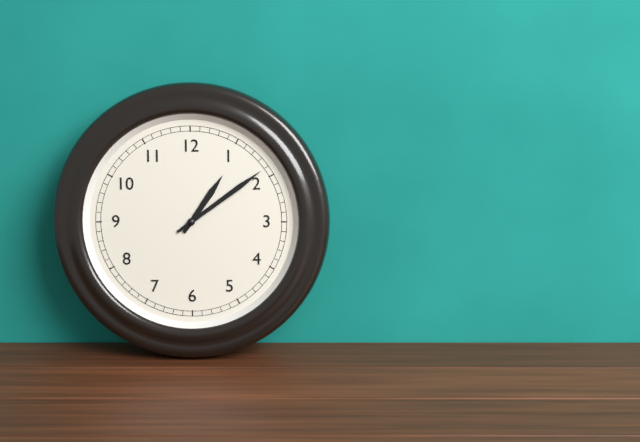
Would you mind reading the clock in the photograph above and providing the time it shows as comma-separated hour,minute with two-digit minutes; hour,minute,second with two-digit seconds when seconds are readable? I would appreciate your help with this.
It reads 1,09
